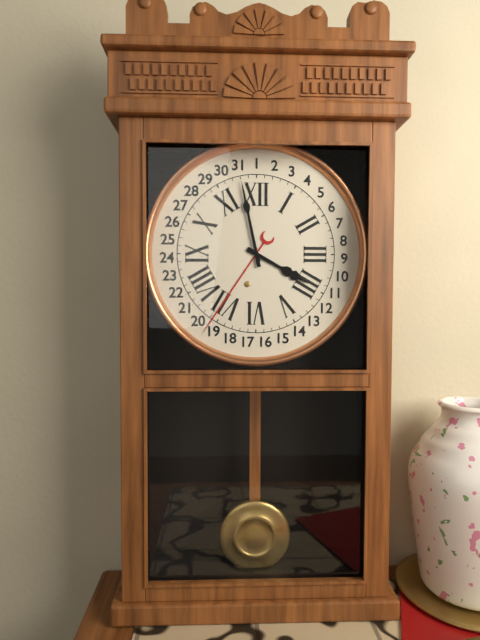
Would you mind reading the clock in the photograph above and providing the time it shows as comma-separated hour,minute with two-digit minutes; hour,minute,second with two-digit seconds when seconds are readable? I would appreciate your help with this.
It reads 3,58
